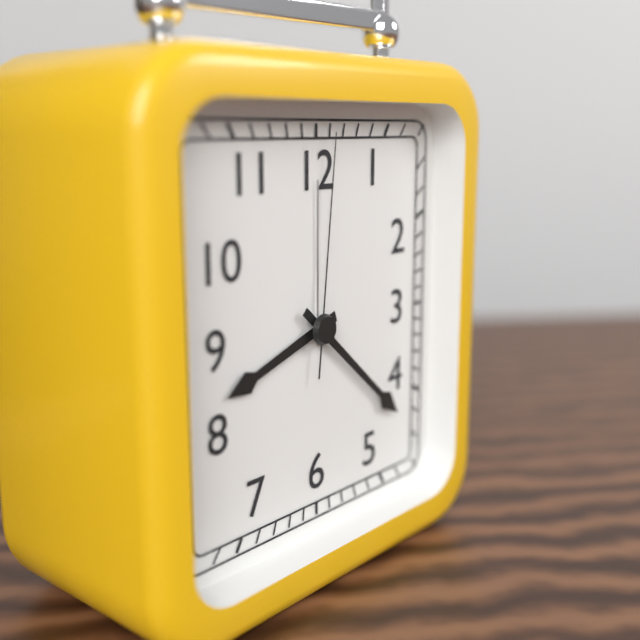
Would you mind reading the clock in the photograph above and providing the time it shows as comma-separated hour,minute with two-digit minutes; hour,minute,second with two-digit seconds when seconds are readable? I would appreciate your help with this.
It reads 8,22,01
